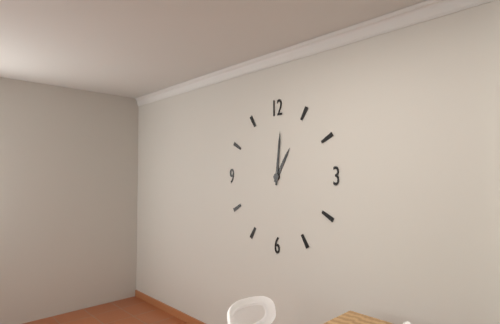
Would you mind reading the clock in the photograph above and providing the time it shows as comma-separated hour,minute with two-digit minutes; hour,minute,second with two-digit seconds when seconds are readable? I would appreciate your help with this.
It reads 1,01
